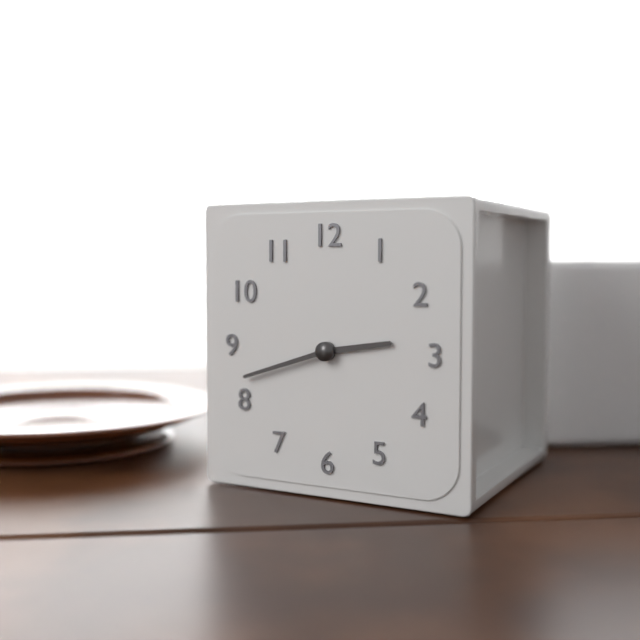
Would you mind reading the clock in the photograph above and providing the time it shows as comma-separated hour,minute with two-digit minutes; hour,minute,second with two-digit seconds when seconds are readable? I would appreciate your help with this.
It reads 2,42
